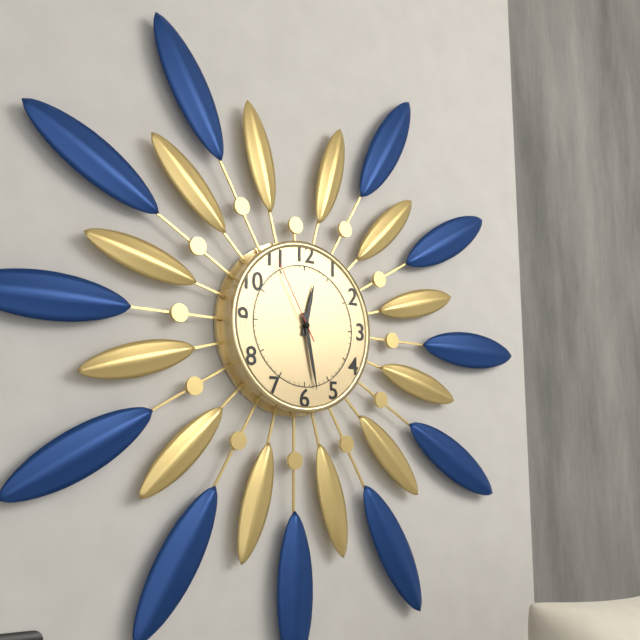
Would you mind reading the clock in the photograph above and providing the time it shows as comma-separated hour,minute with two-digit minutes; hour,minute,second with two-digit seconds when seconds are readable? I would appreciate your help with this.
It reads 12,28,55
